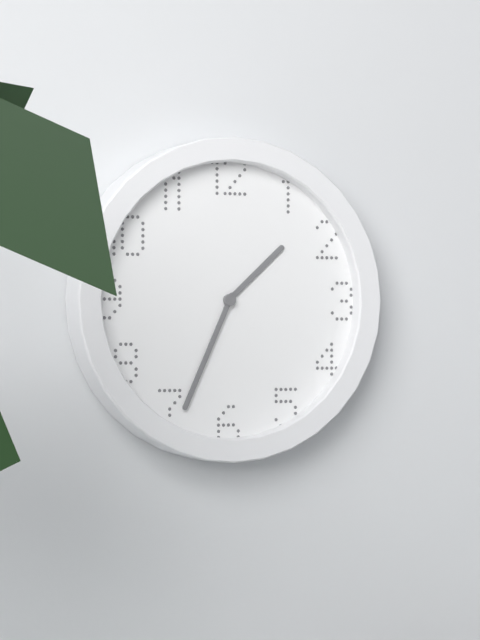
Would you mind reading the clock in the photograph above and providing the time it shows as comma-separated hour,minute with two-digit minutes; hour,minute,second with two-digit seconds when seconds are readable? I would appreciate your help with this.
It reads 1,34
